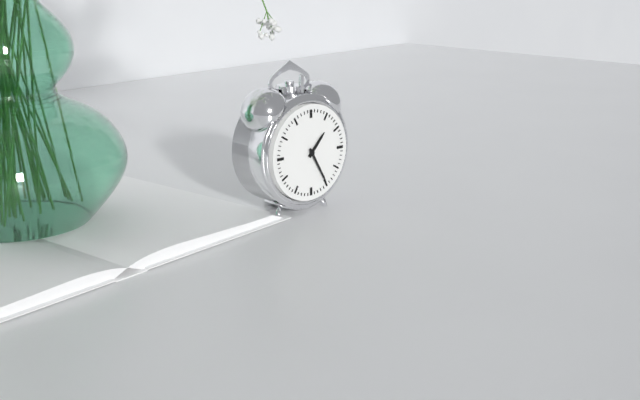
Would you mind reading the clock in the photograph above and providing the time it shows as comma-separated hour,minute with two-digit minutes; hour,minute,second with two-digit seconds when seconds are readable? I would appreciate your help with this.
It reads 1,25
